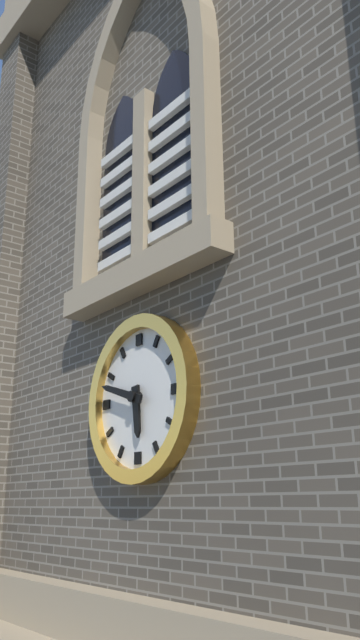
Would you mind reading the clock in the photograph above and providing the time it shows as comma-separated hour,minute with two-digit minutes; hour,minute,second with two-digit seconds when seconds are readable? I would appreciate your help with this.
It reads 5,48
